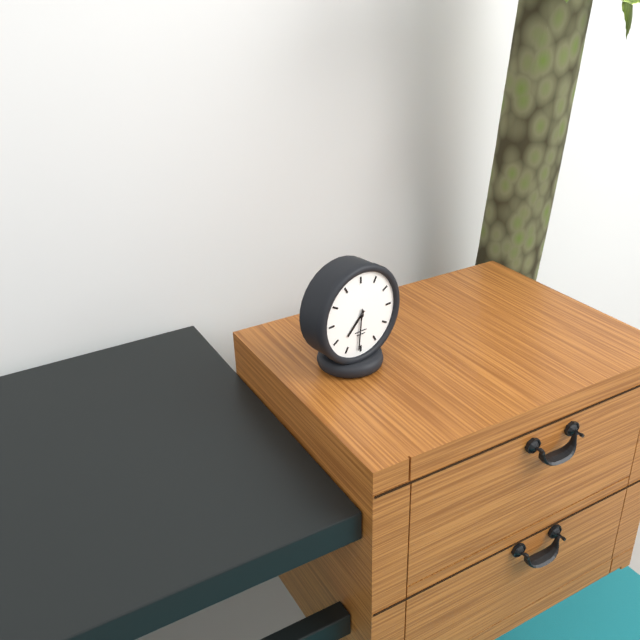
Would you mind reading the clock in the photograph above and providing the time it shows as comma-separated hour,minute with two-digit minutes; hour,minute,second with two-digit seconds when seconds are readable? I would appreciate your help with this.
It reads 7,31
